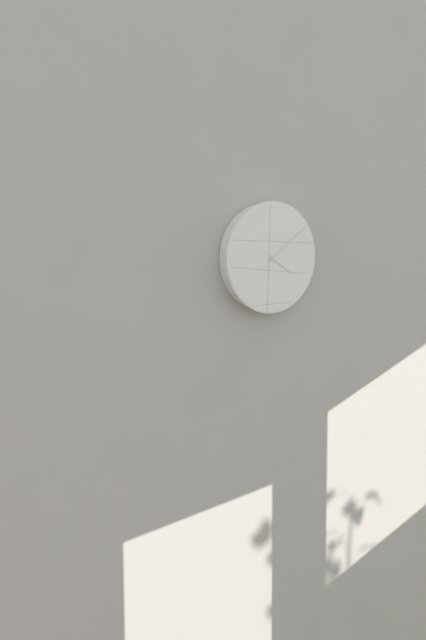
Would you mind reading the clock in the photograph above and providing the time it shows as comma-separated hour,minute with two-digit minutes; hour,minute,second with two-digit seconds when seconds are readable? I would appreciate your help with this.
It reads 4,09
